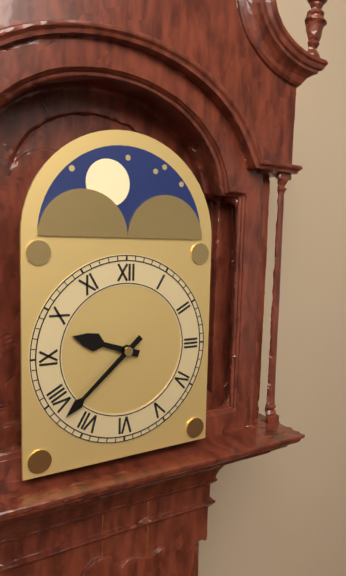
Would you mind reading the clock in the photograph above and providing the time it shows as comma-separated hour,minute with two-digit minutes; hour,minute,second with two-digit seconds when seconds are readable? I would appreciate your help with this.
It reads 9,38
